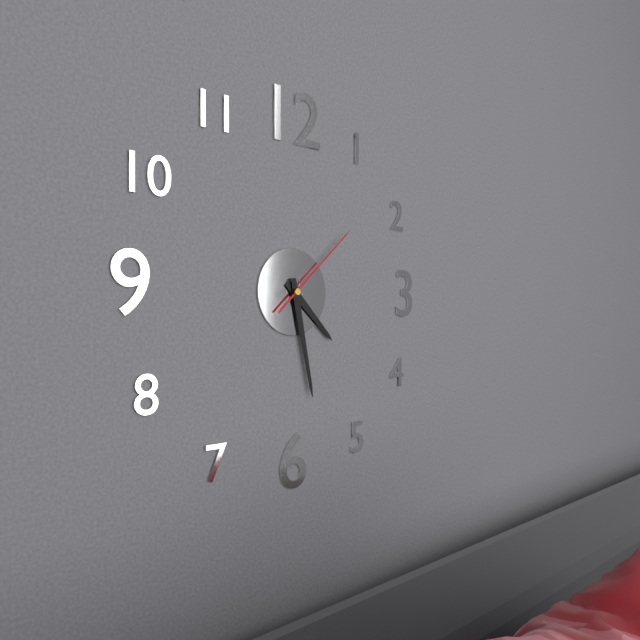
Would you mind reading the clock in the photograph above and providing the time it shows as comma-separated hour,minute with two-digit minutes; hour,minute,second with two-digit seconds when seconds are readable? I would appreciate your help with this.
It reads 4,28,08
